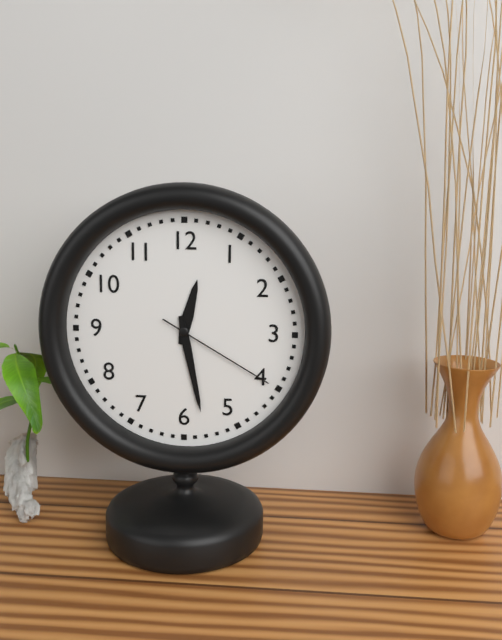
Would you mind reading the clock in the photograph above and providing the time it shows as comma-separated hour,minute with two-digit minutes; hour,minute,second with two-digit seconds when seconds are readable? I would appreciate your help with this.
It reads 12,28,20
